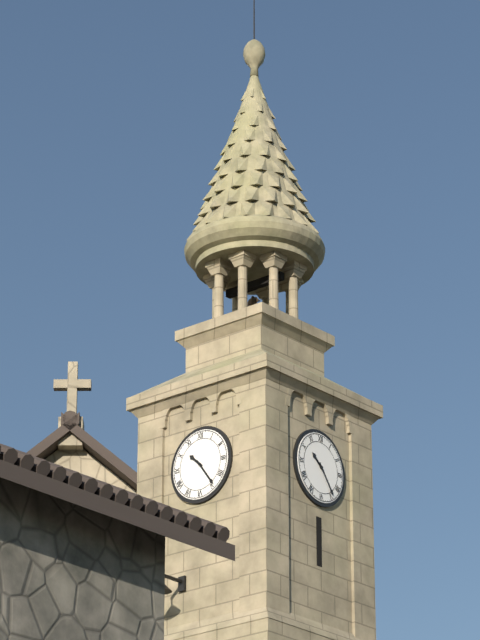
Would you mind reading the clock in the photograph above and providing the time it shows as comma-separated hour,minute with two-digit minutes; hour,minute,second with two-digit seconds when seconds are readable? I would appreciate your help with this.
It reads 10,24
